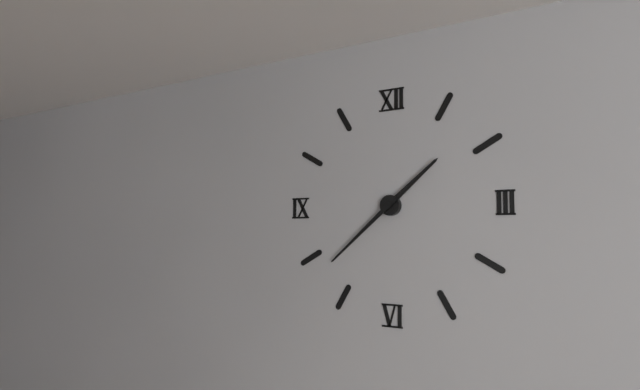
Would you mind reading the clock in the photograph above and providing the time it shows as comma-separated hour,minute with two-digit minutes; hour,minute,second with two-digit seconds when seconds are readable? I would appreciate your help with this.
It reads 1,38
